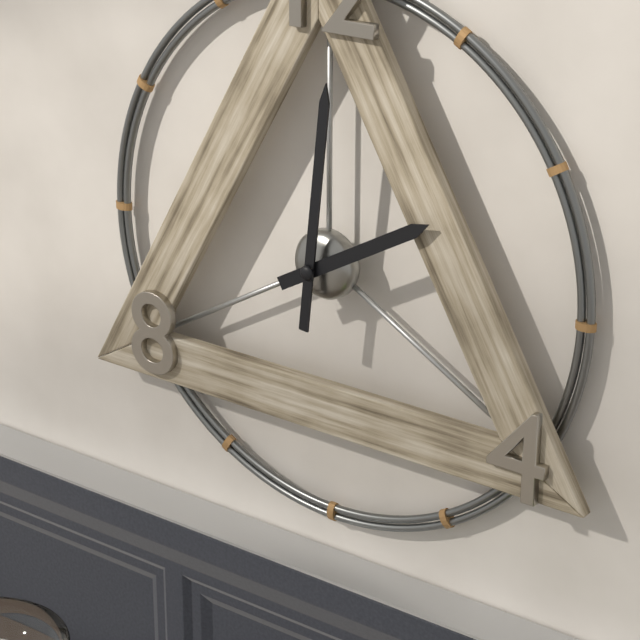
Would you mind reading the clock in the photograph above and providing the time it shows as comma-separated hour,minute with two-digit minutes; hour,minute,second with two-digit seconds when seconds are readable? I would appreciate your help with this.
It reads 2,01
